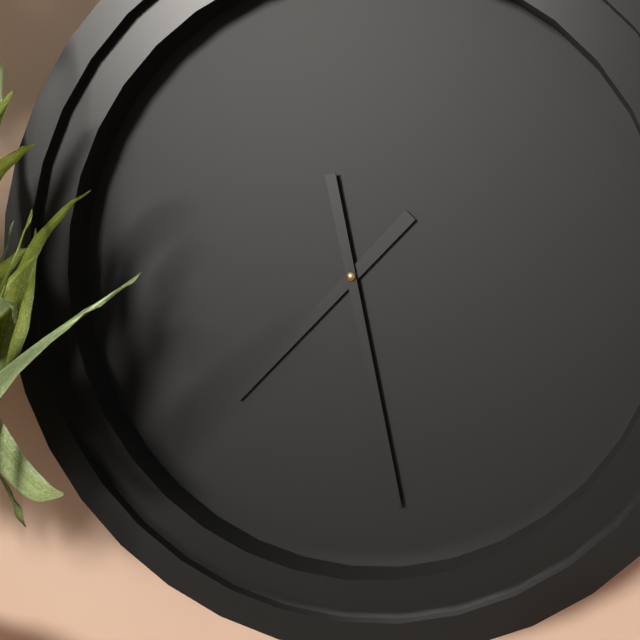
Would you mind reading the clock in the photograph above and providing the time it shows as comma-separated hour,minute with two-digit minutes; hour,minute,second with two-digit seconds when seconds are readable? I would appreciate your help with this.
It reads 7,28
